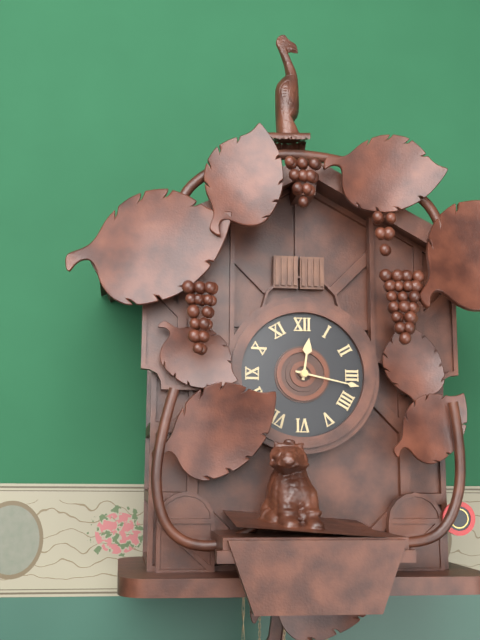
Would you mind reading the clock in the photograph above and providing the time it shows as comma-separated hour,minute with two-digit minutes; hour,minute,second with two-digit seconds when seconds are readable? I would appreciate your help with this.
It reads 12,17
